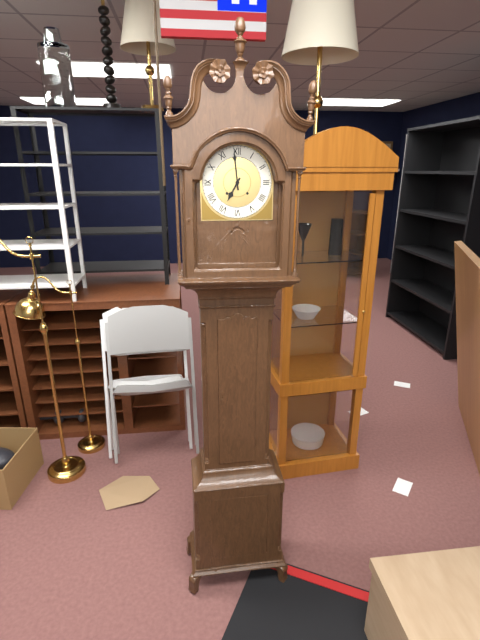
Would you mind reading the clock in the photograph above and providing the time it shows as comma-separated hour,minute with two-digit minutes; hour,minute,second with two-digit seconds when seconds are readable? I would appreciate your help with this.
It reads 6,59
